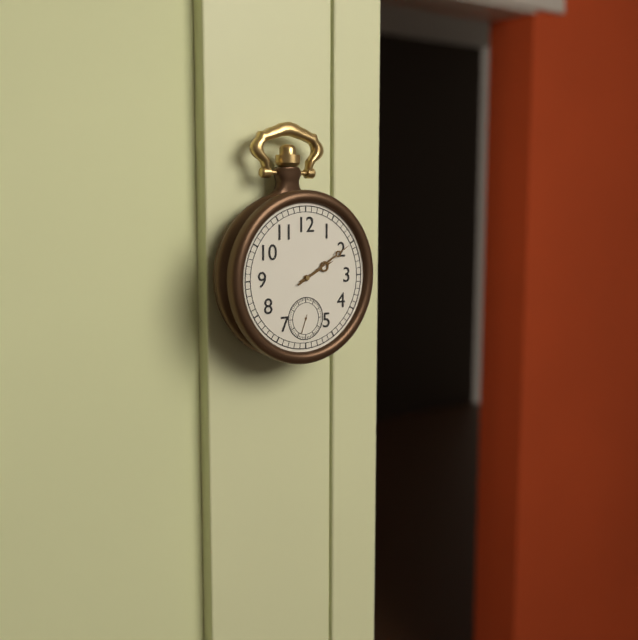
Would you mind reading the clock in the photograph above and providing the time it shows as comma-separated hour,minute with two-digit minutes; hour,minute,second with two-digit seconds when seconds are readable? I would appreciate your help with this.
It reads 2,10
